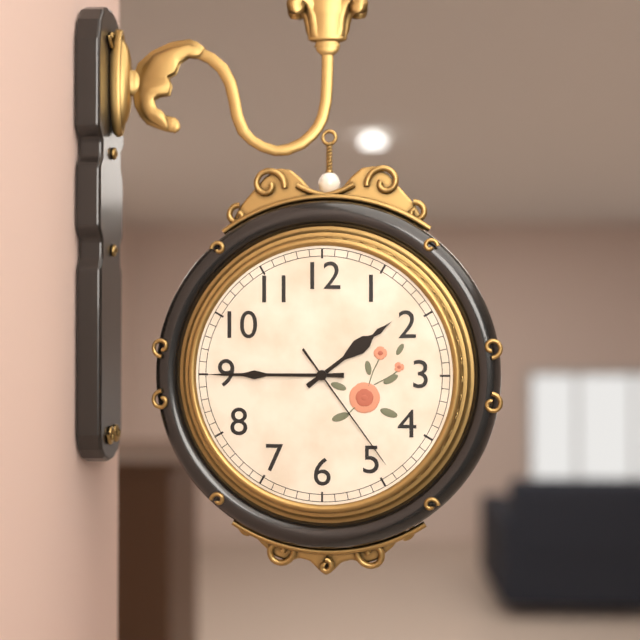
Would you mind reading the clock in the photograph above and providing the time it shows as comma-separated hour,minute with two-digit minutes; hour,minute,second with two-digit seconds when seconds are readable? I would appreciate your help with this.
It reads 1,45,24
